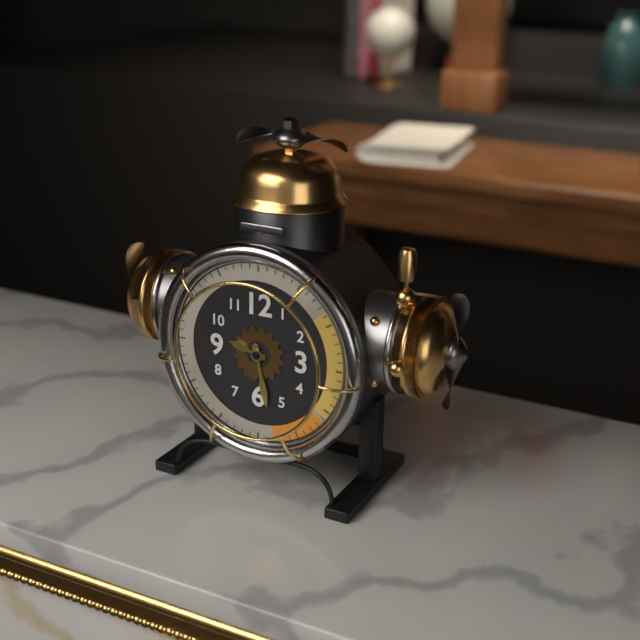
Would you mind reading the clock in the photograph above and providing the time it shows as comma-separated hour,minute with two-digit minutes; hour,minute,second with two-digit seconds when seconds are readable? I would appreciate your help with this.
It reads 9,28
